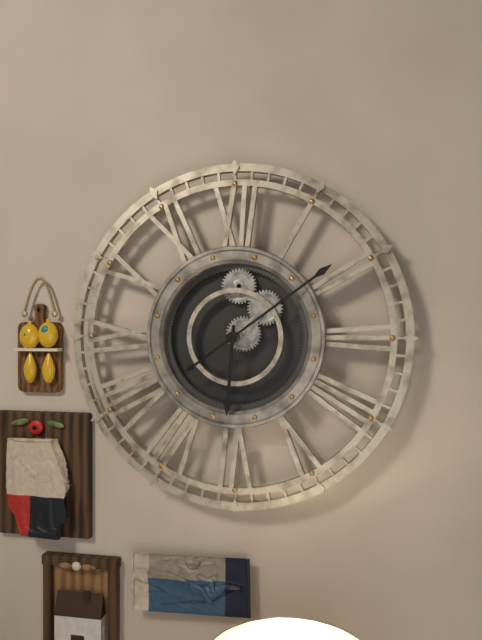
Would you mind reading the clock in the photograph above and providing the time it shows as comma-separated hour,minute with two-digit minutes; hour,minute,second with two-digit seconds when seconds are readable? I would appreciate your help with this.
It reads 6,09
